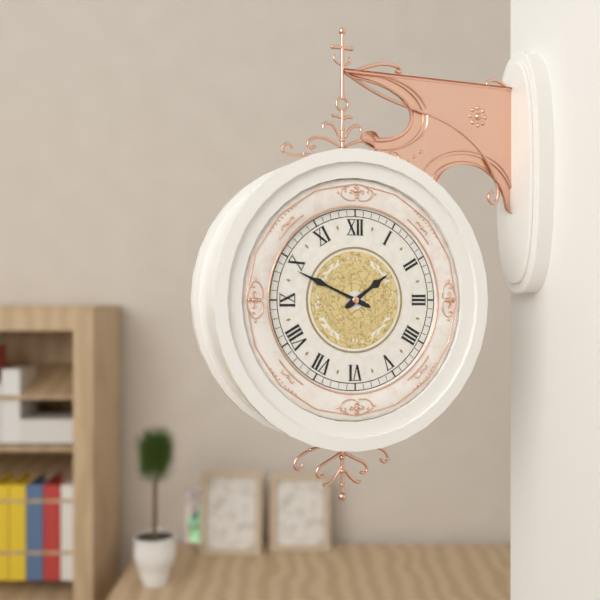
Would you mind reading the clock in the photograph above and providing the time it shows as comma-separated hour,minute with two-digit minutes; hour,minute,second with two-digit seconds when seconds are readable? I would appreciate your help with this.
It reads 1,49
